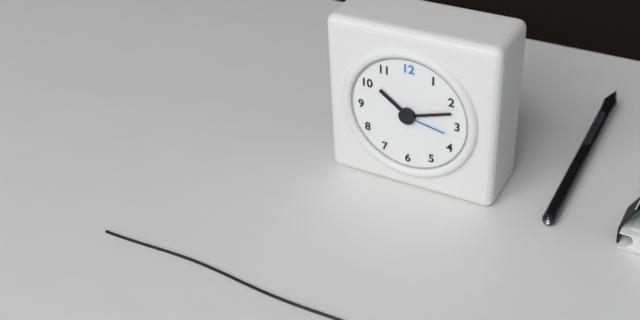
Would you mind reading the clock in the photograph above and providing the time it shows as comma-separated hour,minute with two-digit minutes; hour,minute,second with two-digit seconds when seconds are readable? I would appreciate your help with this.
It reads 10,12,17
